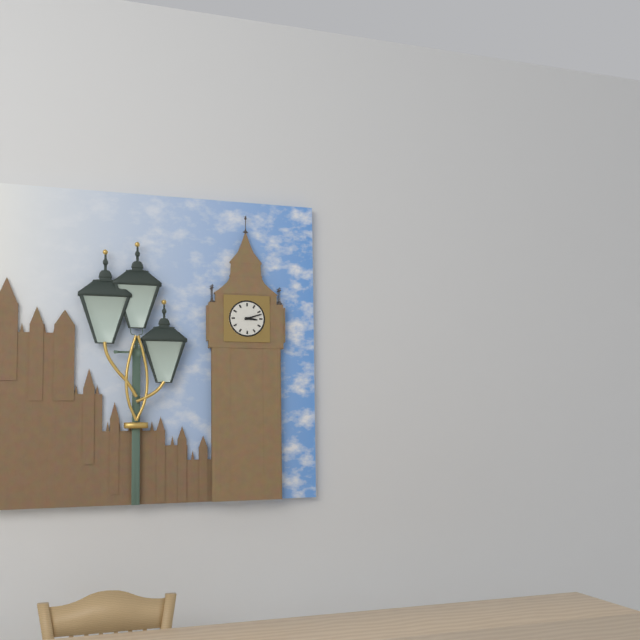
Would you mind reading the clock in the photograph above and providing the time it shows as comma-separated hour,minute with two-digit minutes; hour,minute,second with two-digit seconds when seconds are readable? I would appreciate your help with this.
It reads 3,12
